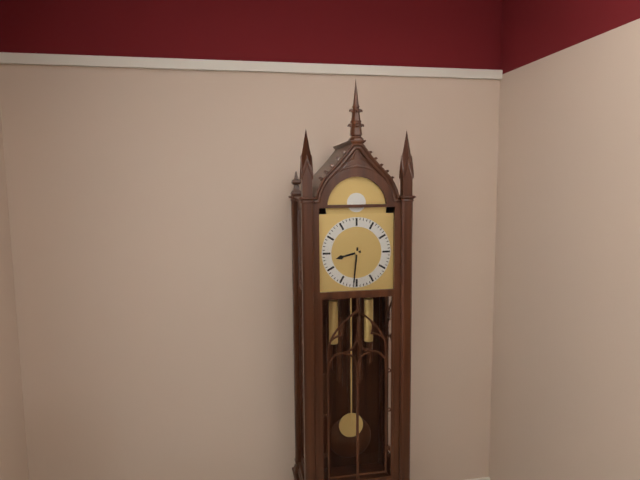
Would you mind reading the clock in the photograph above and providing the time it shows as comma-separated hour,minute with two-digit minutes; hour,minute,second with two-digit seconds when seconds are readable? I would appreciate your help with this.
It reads 8,31
